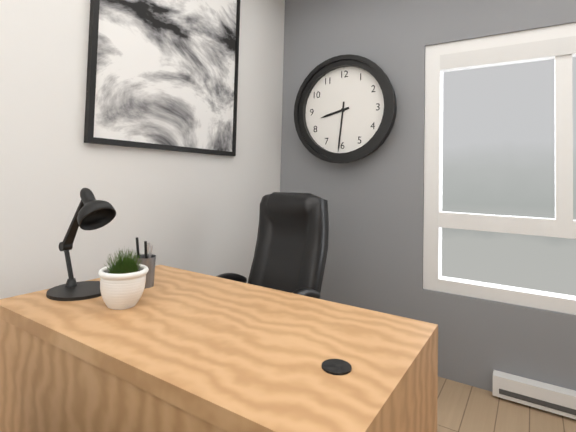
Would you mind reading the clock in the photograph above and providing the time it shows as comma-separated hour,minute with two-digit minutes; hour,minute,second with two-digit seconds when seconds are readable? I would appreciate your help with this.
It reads 8,31
